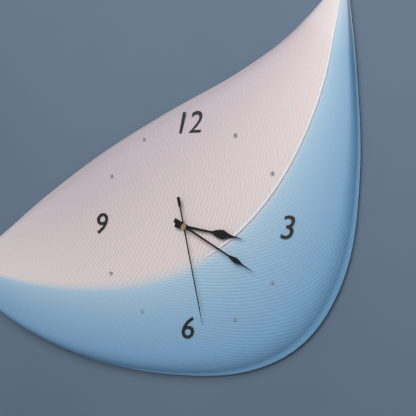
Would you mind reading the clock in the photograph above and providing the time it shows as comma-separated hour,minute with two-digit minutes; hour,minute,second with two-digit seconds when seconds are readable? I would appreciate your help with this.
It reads 3,20,28
